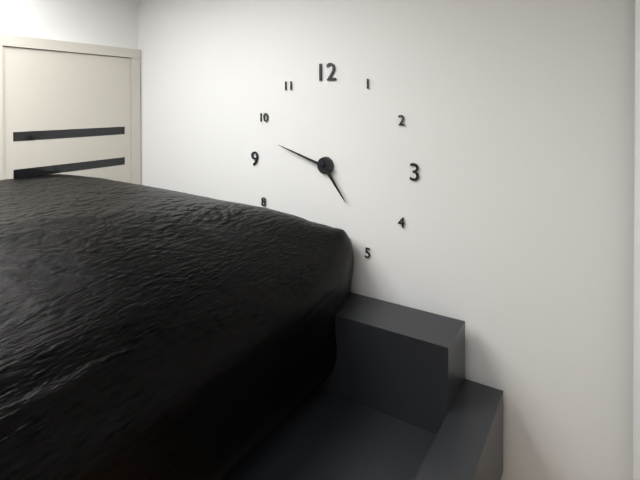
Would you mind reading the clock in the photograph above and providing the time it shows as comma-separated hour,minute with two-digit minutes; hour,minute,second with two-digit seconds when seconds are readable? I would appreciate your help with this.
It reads 4,48
